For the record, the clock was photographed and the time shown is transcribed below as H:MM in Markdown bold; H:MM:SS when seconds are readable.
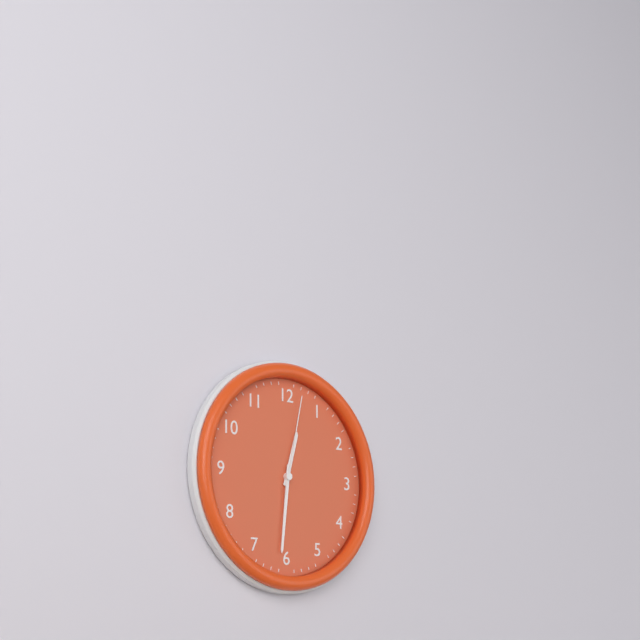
**12:31:02**
